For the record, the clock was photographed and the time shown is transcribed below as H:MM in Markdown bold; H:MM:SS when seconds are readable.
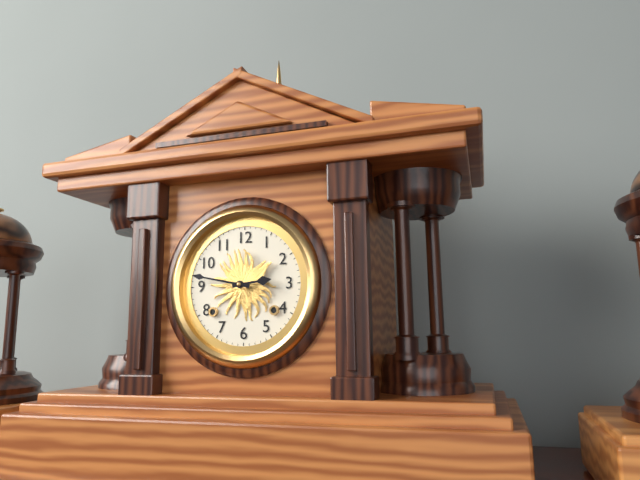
**2:47**
